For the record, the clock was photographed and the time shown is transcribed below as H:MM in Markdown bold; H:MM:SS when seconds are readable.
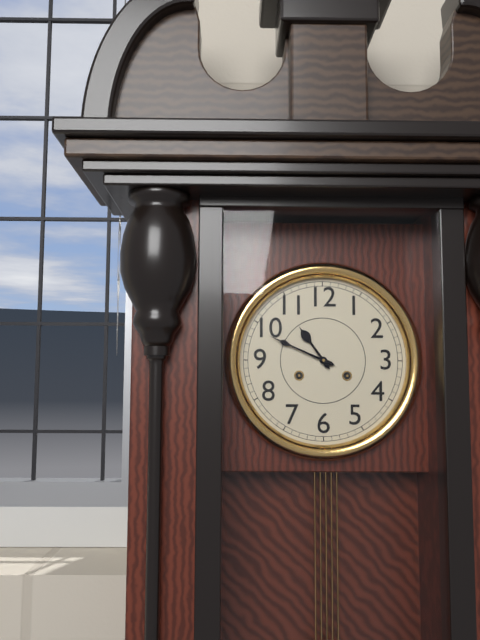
**10:49**
